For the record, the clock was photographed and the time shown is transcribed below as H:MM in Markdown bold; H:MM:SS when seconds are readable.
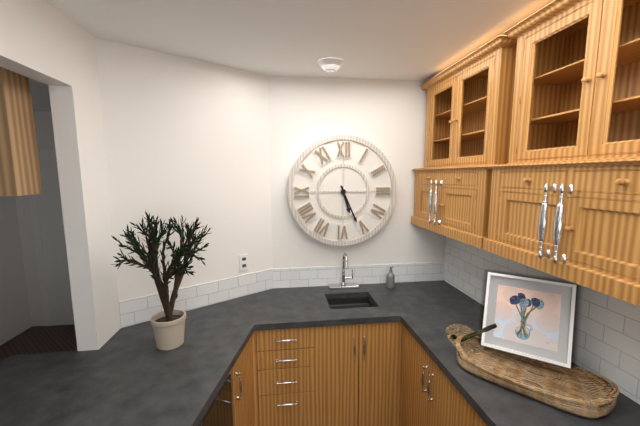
**5:26**
